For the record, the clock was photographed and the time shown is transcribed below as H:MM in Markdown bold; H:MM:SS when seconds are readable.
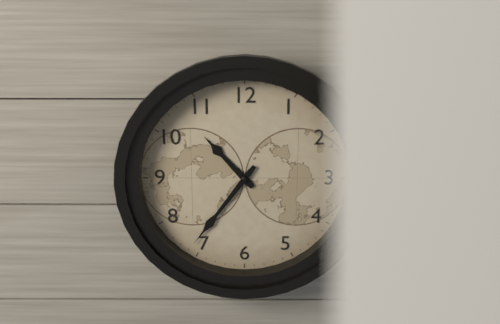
**10:36**
